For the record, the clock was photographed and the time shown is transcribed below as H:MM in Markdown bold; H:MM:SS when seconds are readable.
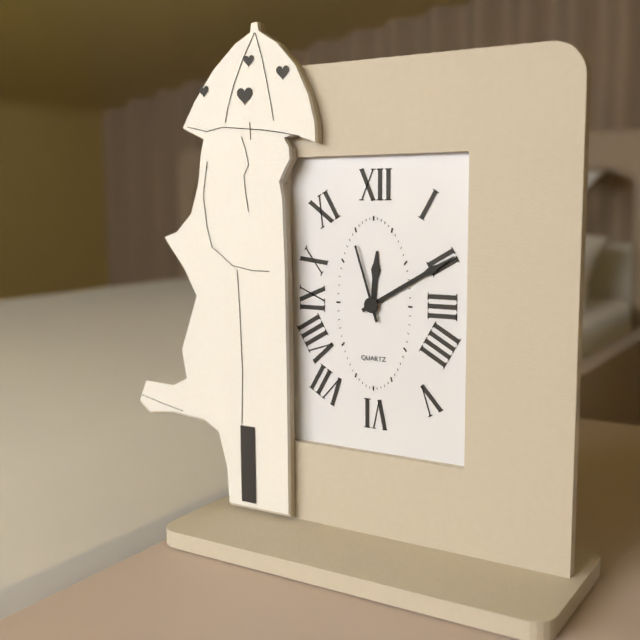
**12:10:57**
